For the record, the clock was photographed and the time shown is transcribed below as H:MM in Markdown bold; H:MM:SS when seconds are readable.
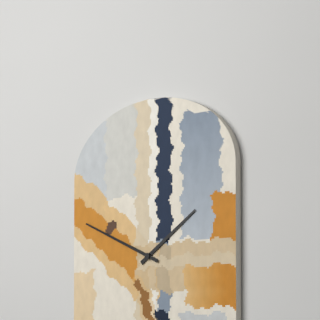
**1:49**
